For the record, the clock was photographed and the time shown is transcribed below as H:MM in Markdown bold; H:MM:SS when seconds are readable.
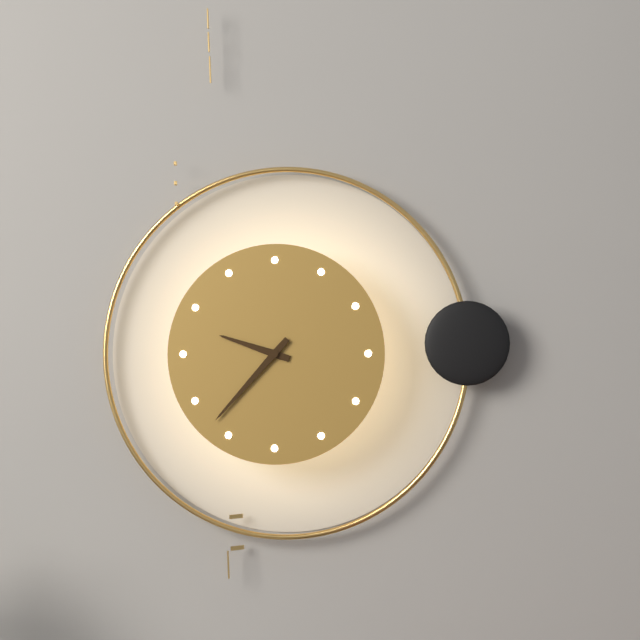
**9:37**
